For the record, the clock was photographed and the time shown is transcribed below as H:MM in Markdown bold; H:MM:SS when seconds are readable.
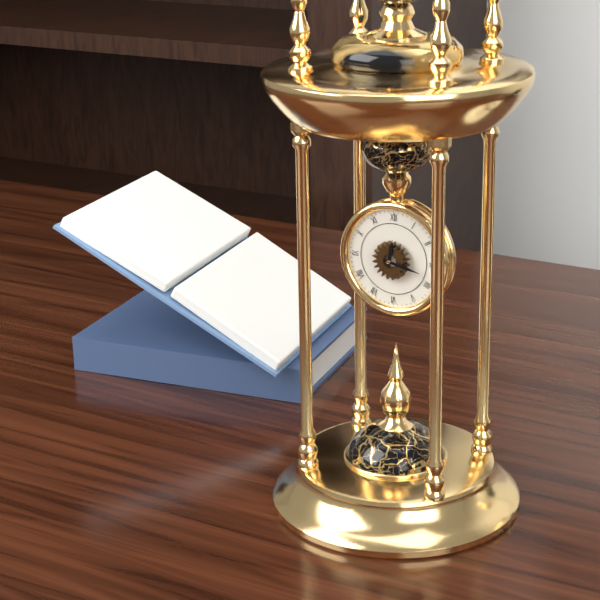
**12:17**
